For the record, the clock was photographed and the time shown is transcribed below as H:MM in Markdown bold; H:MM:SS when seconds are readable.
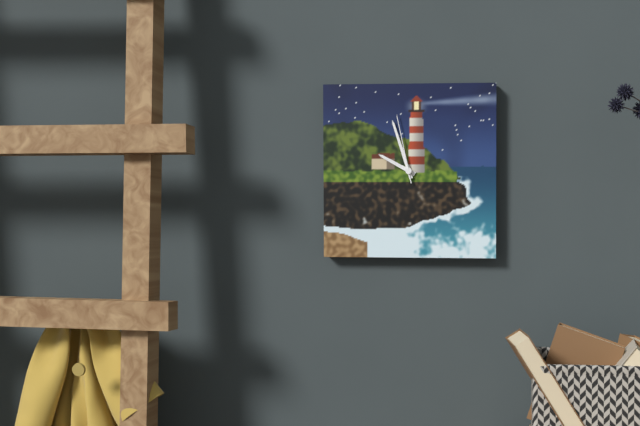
**9:57:58**
